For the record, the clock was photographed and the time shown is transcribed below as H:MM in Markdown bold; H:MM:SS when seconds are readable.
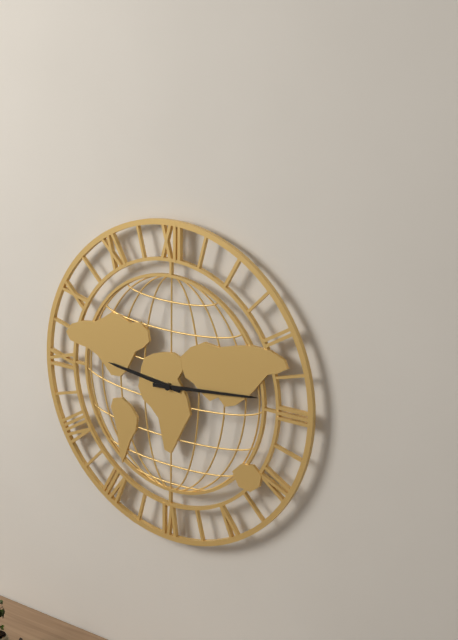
**9:14**
